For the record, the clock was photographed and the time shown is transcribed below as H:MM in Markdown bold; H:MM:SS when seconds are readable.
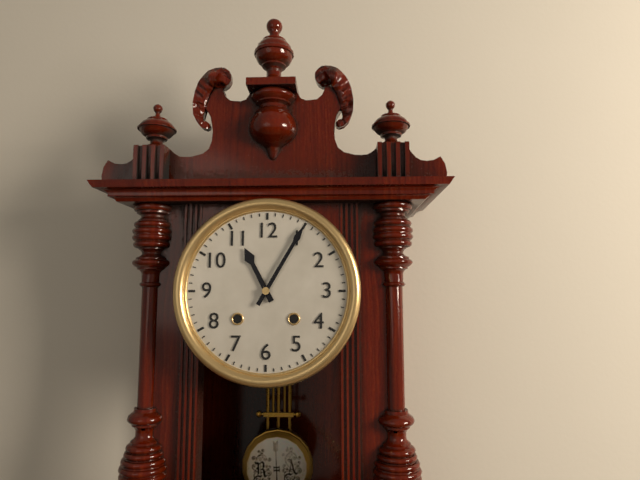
**11:05**
